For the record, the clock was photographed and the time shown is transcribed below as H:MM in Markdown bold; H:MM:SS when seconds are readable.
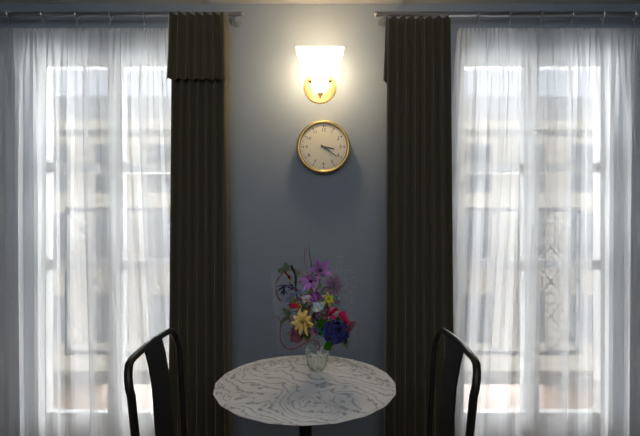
**3:21**
